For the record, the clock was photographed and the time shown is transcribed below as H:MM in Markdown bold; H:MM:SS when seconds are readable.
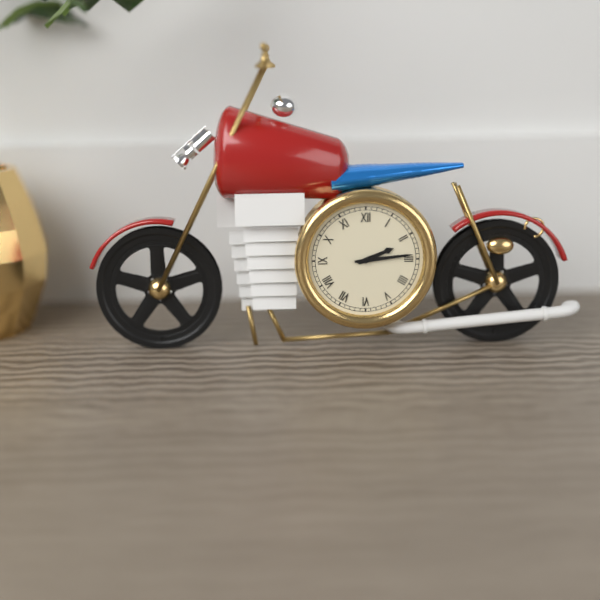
**2:14**
